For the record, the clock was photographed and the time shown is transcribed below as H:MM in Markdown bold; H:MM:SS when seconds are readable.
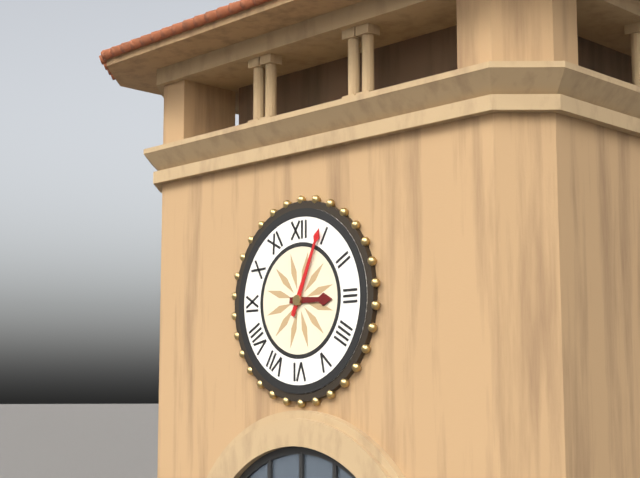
**3:04**
